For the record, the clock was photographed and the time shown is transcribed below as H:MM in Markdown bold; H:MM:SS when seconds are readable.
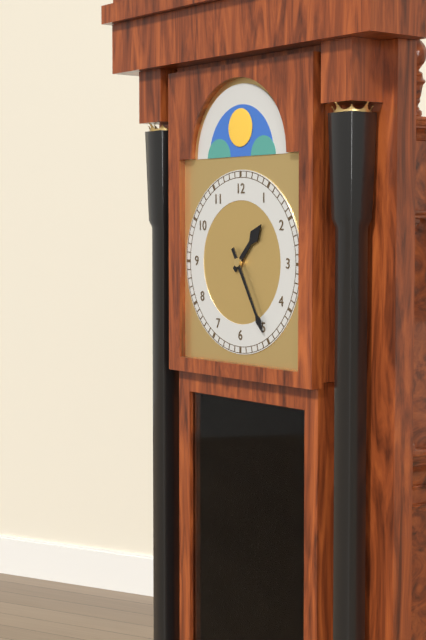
**1:25**
